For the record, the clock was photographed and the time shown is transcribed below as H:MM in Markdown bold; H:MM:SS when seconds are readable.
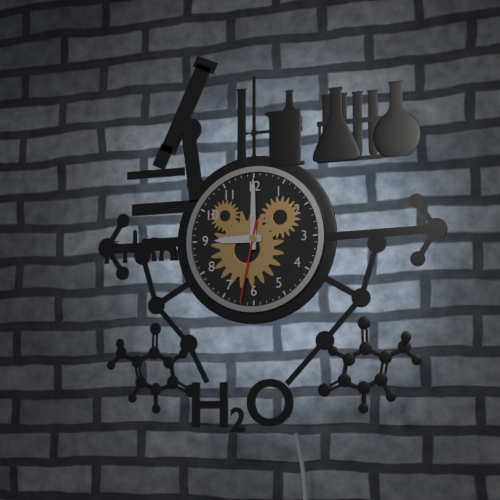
**9:00:32**
